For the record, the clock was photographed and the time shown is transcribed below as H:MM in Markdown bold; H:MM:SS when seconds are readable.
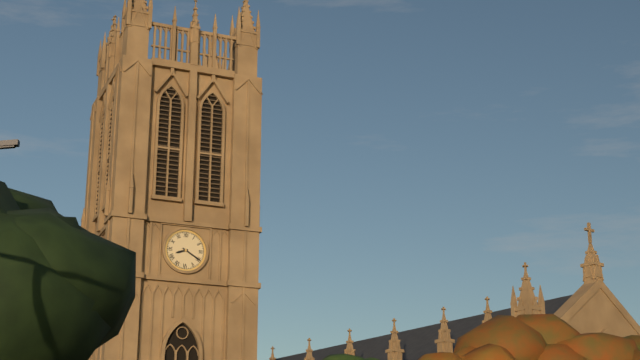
**8:20**
